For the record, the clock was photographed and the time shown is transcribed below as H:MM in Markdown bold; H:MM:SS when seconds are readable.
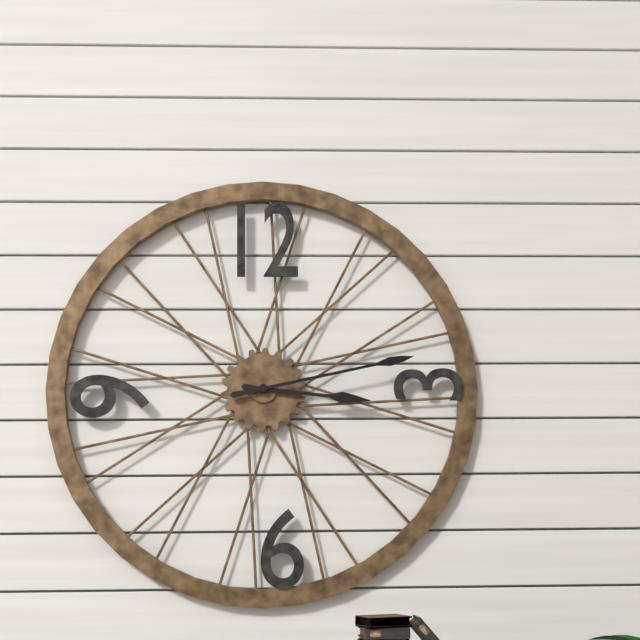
**3:13**
